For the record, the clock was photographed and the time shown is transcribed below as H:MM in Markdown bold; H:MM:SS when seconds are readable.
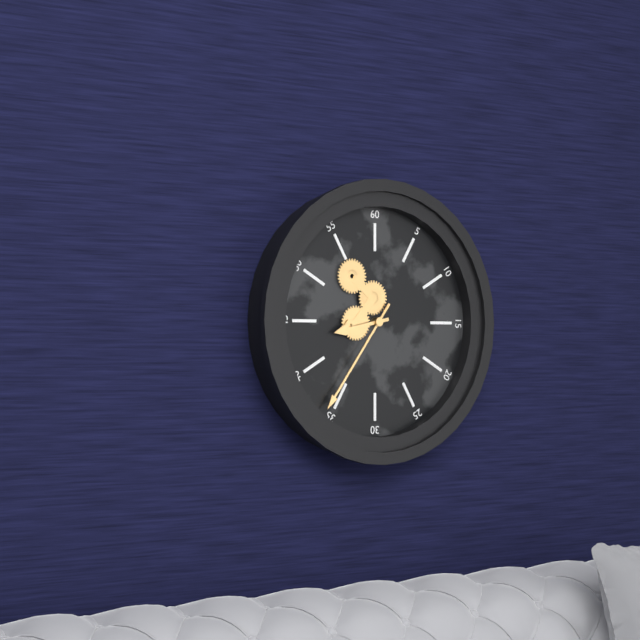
**8:36**
